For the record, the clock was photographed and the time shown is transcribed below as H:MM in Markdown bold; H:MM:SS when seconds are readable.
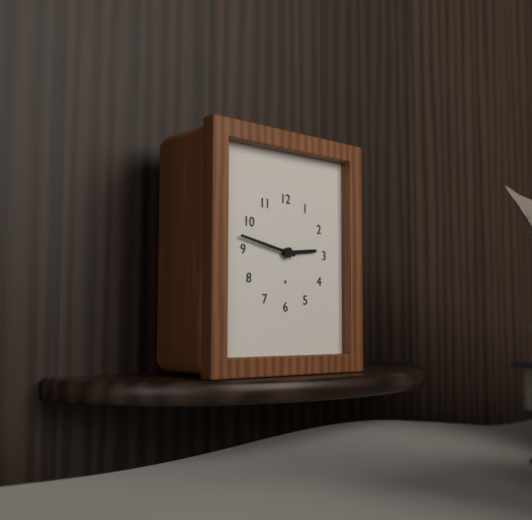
**2:47**
